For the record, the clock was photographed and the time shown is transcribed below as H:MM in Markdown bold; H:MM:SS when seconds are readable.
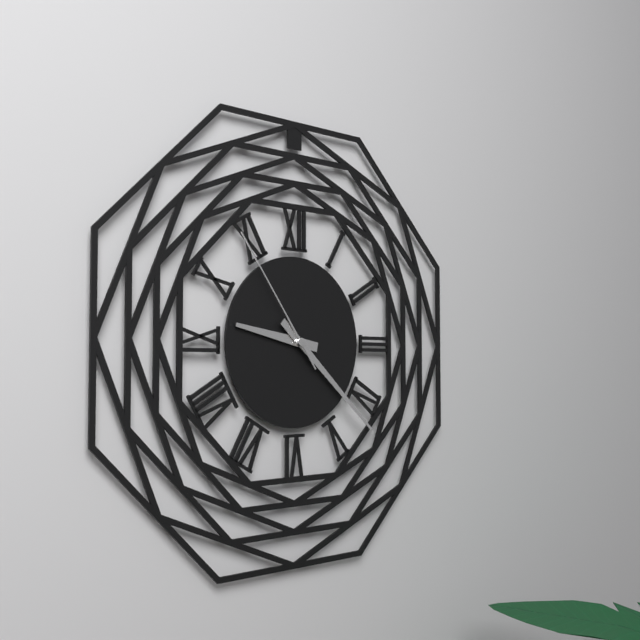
**9:22:54**
